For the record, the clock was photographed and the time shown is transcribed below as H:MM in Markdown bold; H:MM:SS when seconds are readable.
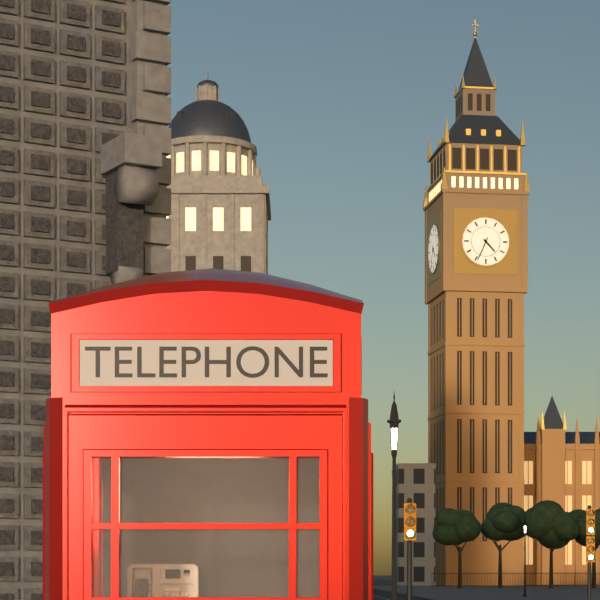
**4:34**
